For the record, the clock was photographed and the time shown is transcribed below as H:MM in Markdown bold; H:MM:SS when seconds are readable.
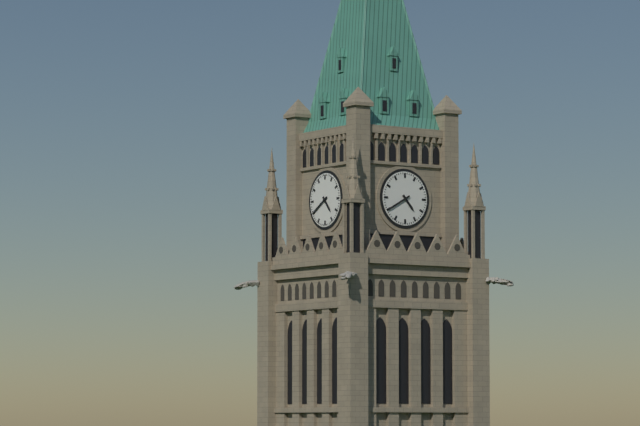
**4:40**
